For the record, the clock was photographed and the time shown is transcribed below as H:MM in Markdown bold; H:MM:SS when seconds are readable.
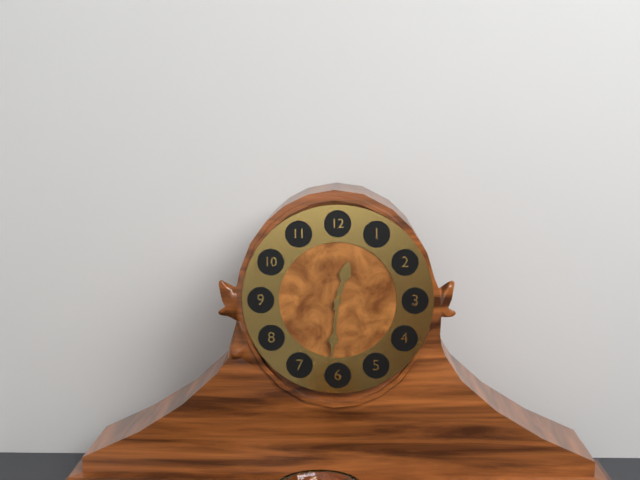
**12:31**
